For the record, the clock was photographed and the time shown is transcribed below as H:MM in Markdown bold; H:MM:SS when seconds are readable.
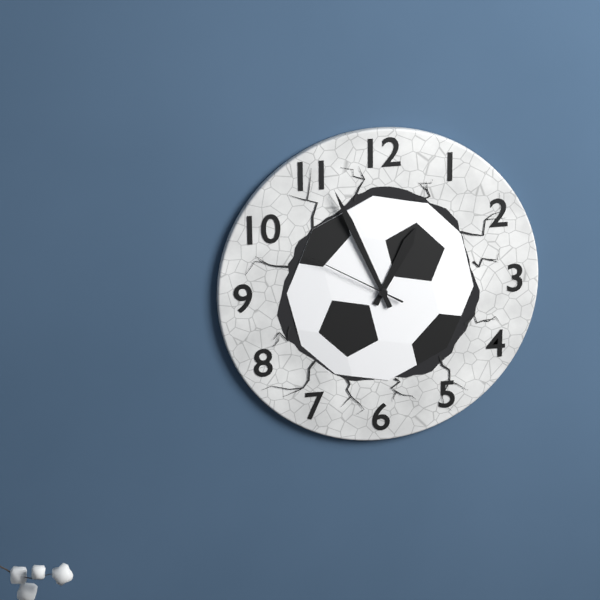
**12:56:50**
